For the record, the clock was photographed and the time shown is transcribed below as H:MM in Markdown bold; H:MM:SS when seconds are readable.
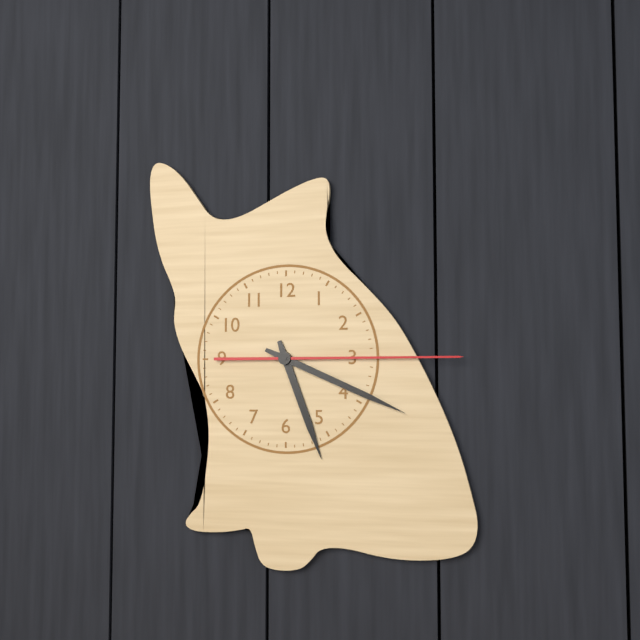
**5:19:15**
